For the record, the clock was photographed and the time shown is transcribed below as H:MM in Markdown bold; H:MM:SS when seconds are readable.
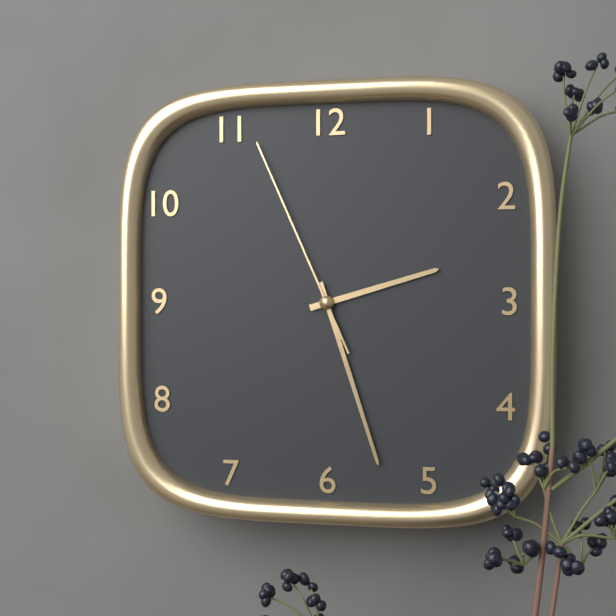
**2:27:56**
